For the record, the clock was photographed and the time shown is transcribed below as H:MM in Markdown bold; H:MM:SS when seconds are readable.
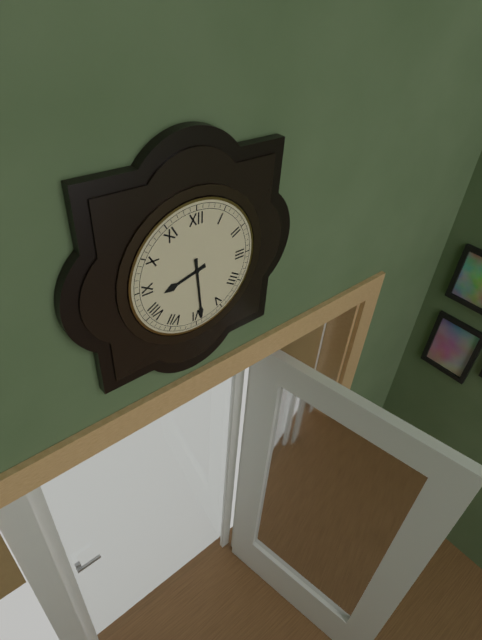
**8:29**
